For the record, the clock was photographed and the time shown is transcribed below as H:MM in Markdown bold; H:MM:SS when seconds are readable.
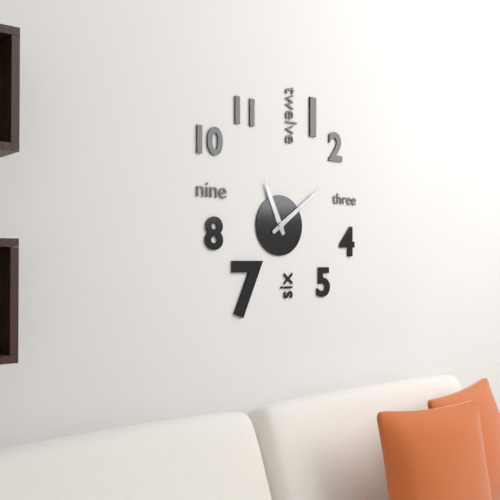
**11:09**
